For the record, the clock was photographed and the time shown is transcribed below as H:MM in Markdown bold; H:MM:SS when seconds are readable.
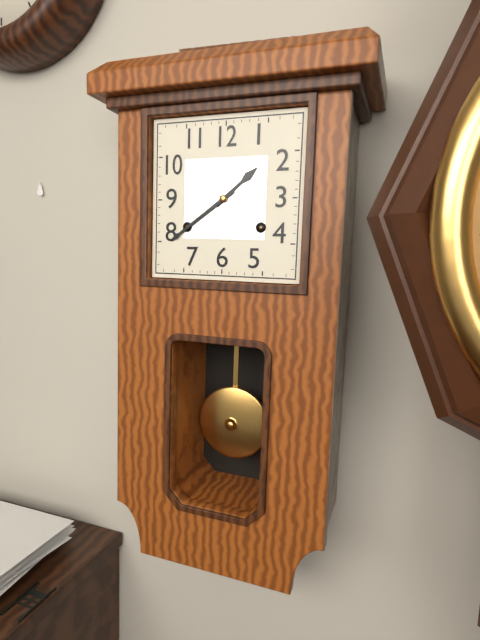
**1:39**
